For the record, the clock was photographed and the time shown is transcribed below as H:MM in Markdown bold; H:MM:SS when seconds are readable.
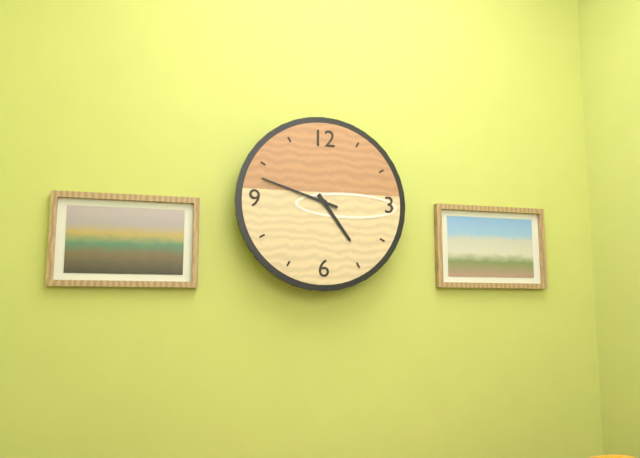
**4:48**
